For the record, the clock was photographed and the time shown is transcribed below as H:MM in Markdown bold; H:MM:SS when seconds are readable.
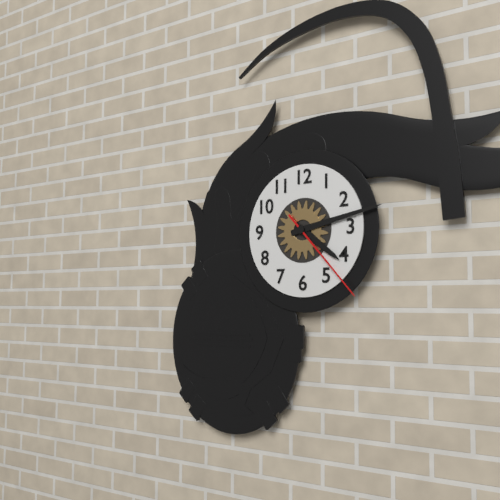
**4:13:23**
